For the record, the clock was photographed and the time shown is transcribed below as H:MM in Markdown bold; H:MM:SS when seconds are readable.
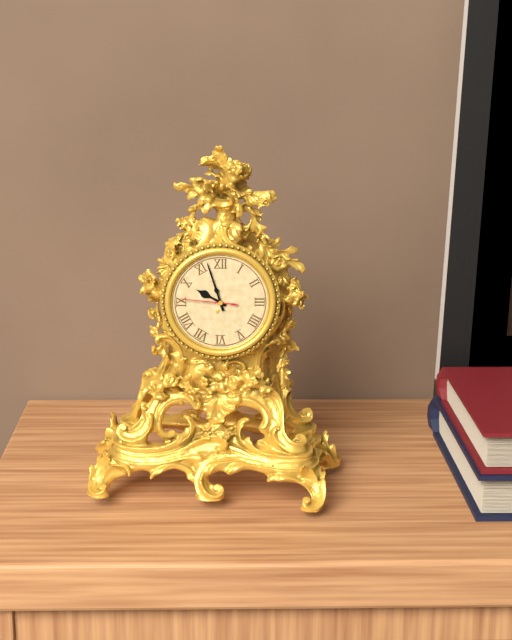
**9:57:46**
